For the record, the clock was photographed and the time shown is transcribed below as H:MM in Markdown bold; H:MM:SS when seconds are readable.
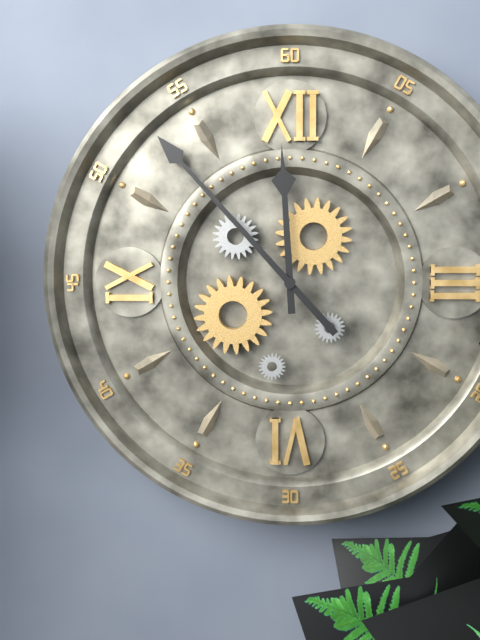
**11:53**
